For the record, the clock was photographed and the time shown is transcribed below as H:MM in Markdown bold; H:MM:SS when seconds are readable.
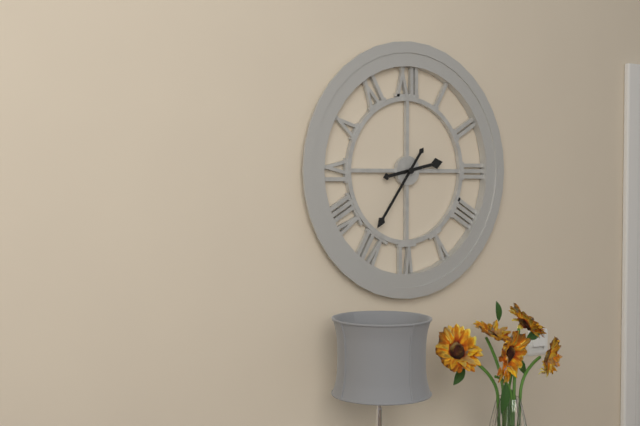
**2:36**
